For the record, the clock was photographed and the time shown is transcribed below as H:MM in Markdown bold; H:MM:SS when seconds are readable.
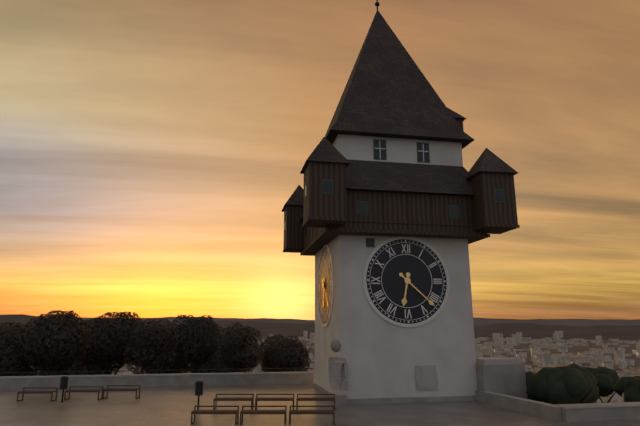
**6:22**
